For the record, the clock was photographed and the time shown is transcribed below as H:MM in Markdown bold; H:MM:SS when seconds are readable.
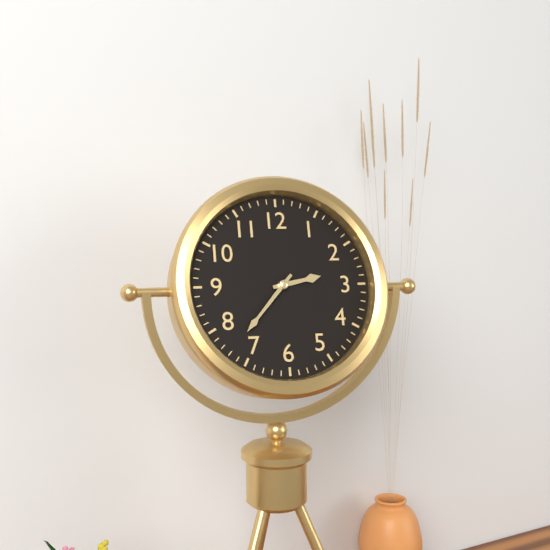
**2:37**
